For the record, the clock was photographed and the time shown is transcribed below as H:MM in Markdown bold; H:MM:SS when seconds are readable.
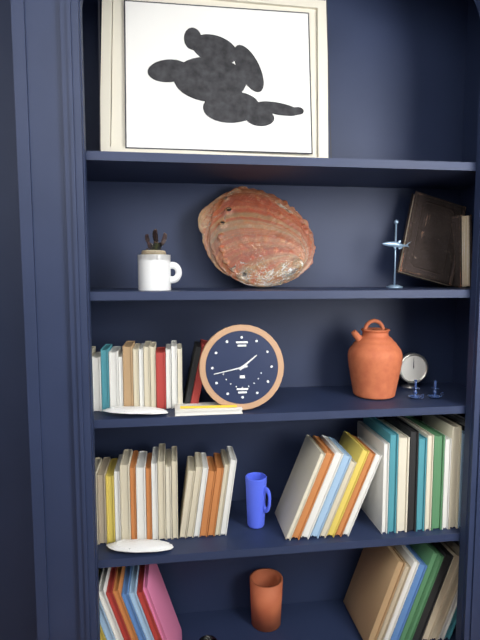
**1:43**
